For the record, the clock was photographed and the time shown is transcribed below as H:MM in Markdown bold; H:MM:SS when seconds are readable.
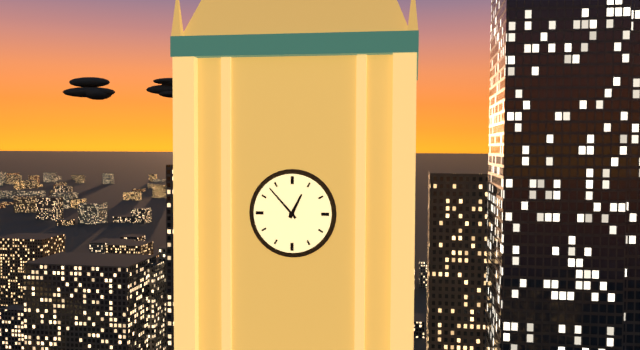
**12:53**
